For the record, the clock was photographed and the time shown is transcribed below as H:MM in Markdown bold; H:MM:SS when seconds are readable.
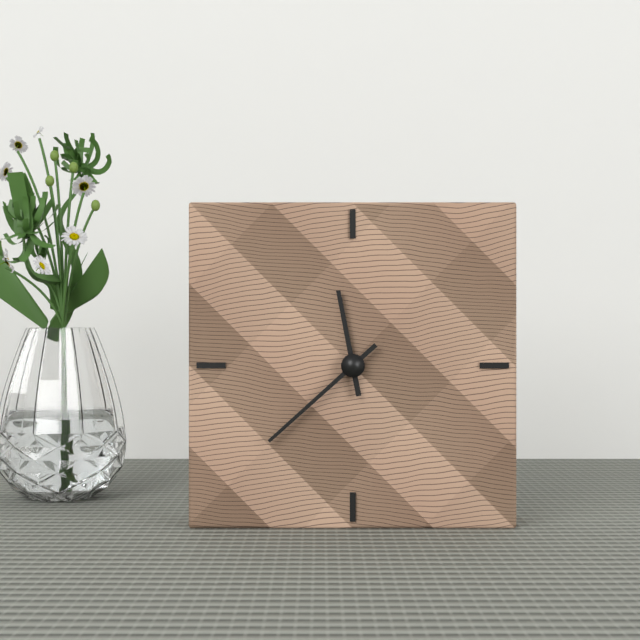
**11:38**
